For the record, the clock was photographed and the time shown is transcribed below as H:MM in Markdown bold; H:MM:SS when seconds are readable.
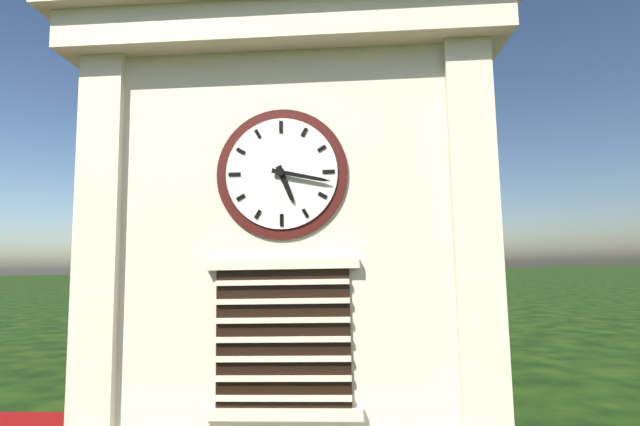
**5:17**
